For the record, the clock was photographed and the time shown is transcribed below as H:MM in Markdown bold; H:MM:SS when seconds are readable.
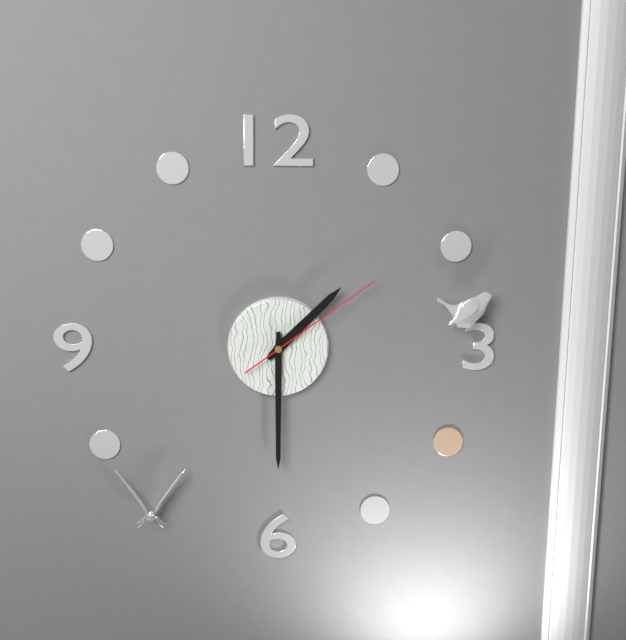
**1:30:09**
